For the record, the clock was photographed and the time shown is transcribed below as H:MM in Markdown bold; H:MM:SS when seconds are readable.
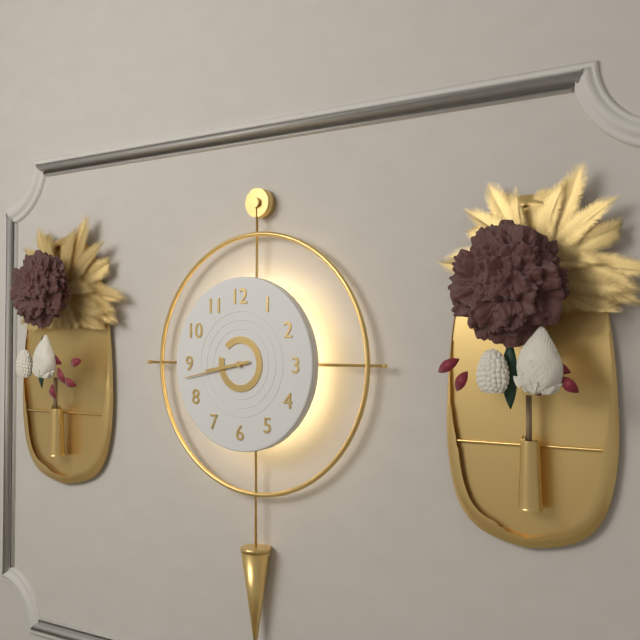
**8:43**
